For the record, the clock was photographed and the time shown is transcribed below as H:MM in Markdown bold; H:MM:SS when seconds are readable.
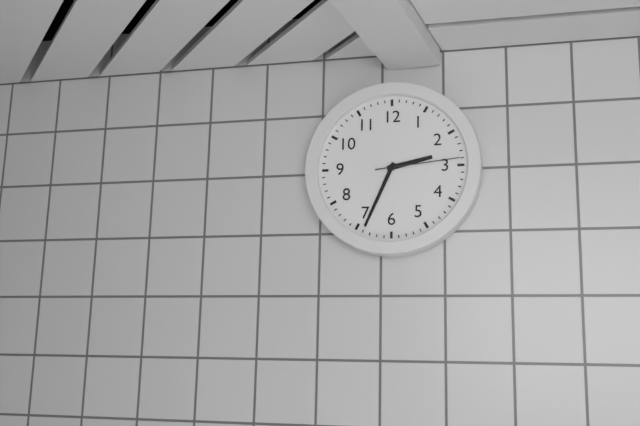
**2:34:14**
